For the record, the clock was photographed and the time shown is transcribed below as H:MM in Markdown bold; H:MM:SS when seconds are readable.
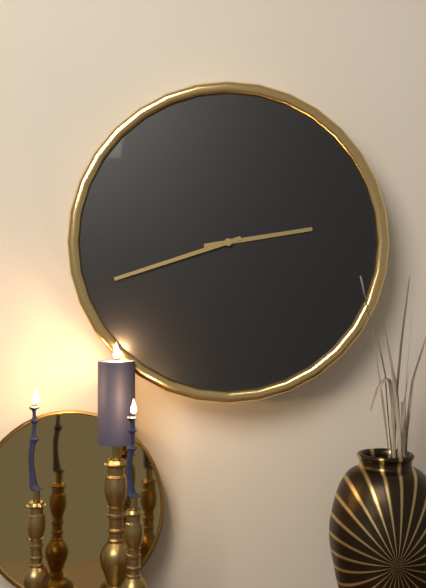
**2:42**
